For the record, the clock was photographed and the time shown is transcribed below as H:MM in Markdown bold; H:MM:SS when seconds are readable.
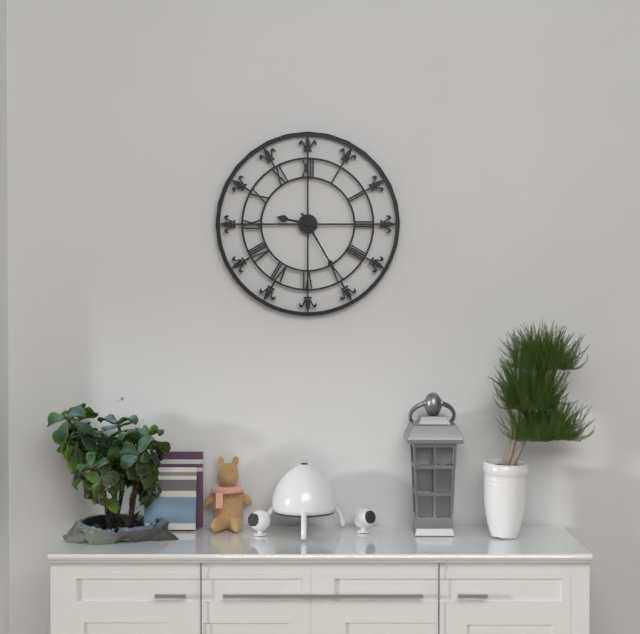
**9:25**
